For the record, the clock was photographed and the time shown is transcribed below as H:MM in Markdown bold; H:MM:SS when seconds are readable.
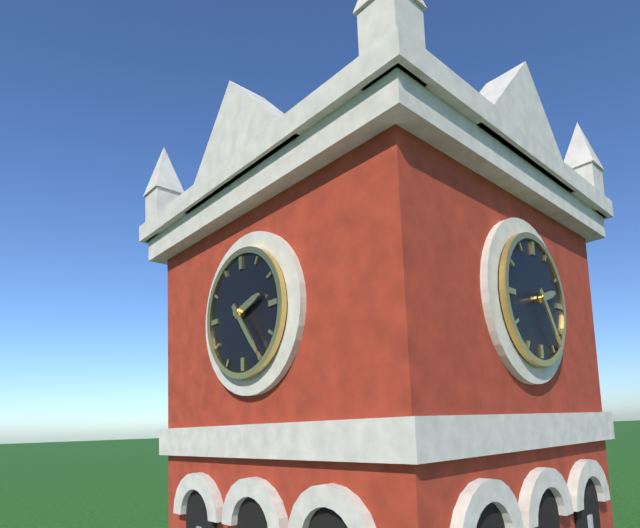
**2:24**
